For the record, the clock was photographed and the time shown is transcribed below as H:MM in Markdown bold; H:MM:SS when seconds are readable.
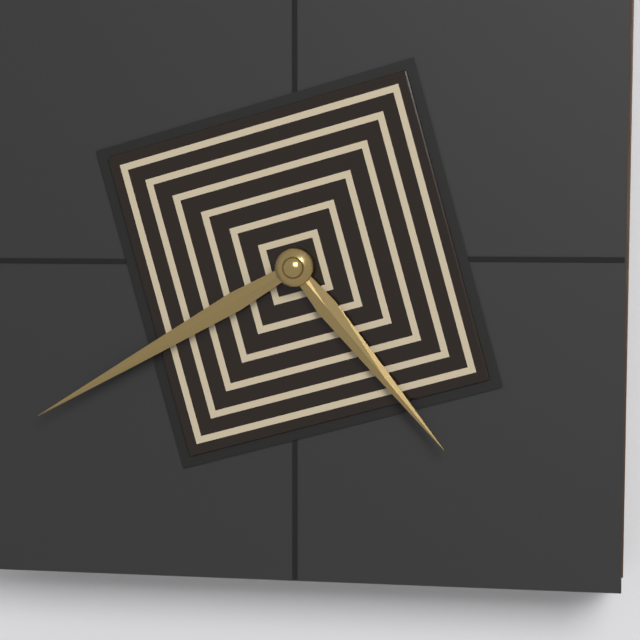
**4:40**
